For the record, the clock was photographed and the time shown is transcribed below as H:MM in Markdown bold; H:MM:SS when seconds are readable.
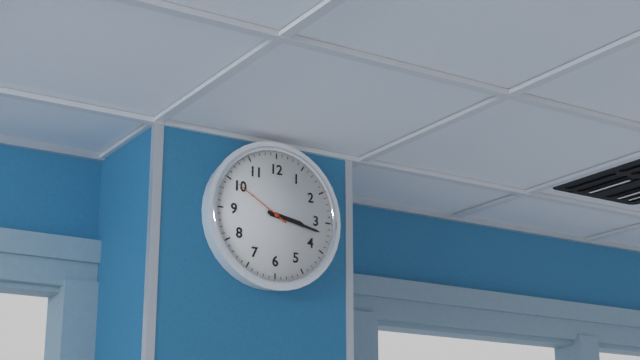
**3:17:50**
